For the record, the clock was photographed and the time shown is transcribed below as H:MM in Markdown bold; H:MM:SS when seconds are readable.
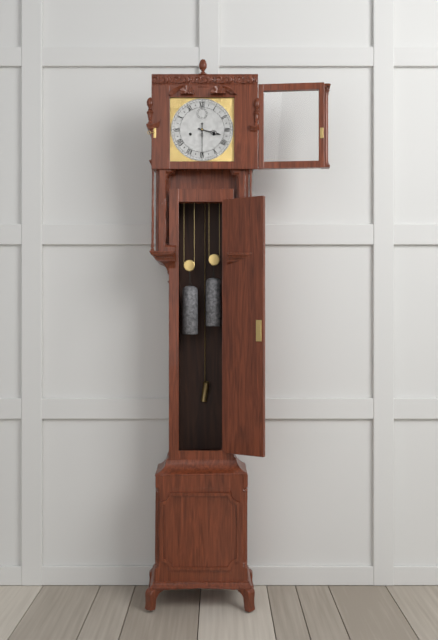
**3:30**
